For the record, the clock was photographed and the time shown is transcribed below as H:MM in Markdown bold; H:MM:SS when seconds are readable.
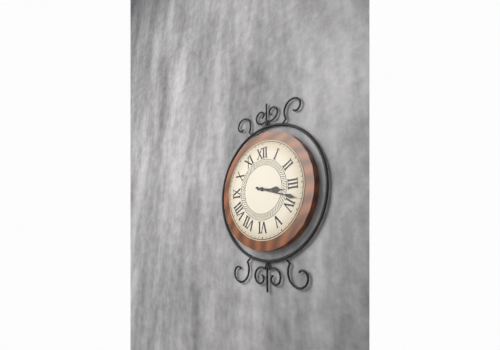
**3:18**
